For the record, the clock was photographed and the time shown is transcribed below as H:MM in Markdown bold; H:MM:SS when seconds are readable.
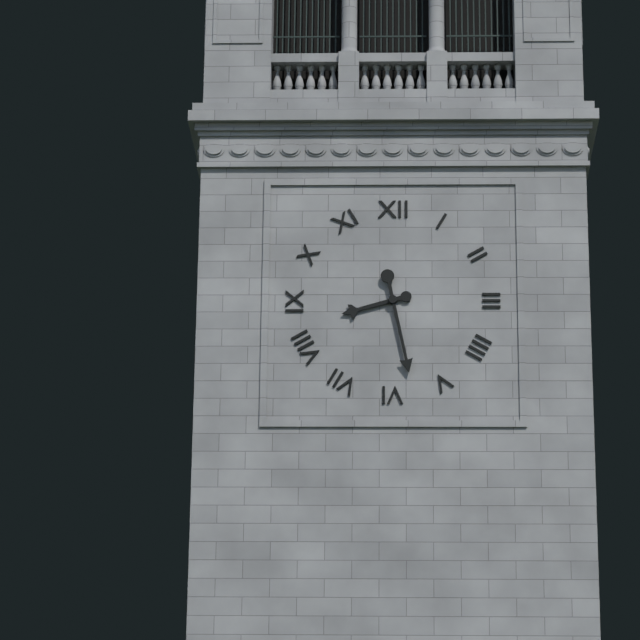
**8:28**
